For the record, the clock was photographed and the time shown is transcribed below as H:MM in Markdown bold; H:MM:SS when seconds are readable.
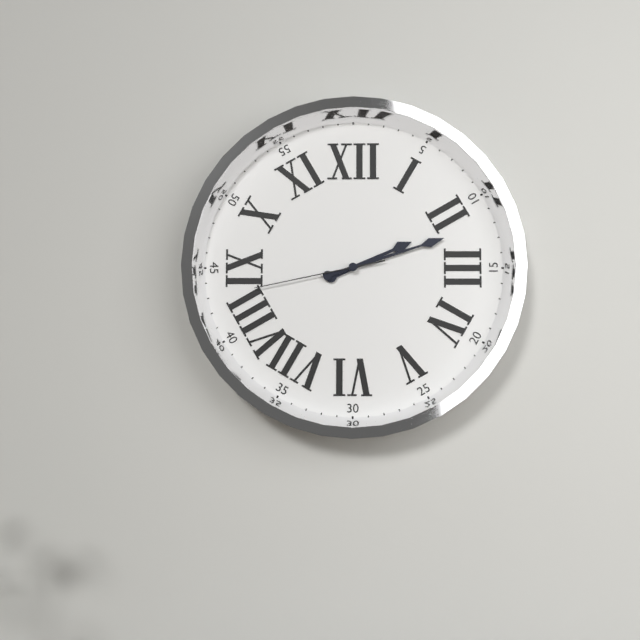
**2:12:43**
